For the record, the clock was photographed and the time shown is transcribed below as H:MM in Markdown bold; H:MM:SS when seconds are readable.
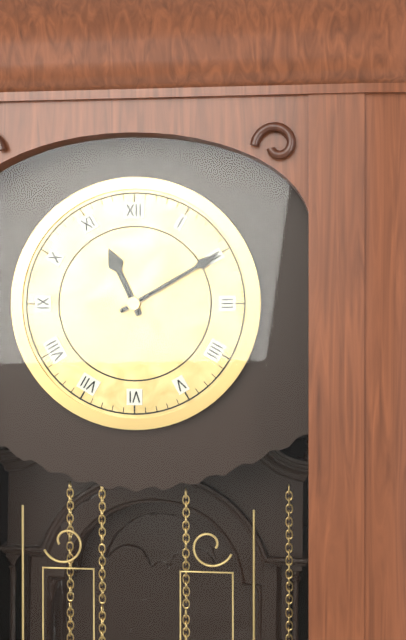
**11:10**
